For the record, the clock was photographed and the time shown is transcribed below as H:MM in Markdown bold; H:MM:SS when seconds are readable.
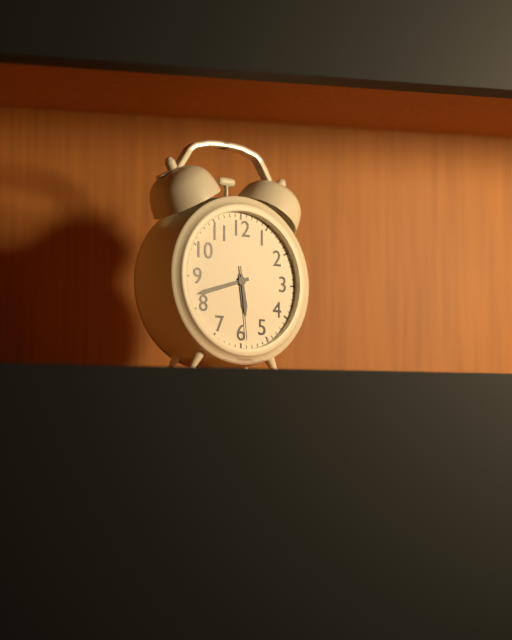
**5:42:29**
